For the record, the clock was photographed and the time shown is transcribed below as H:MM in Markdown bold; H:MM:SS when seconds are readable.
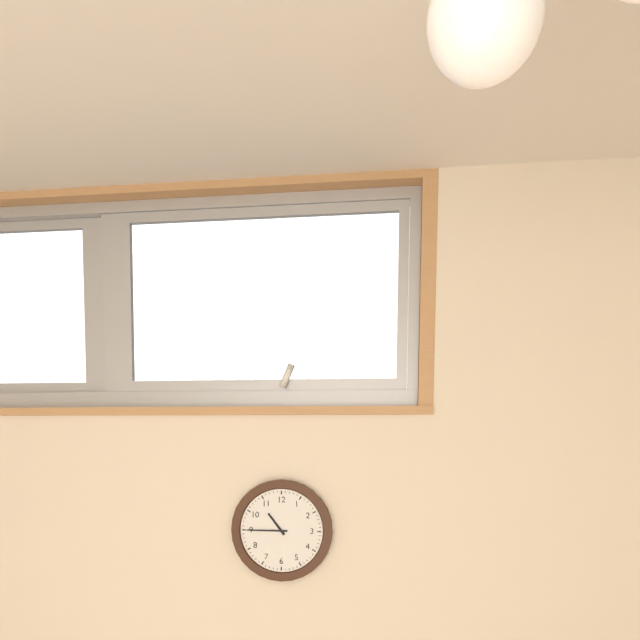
**10:45**
